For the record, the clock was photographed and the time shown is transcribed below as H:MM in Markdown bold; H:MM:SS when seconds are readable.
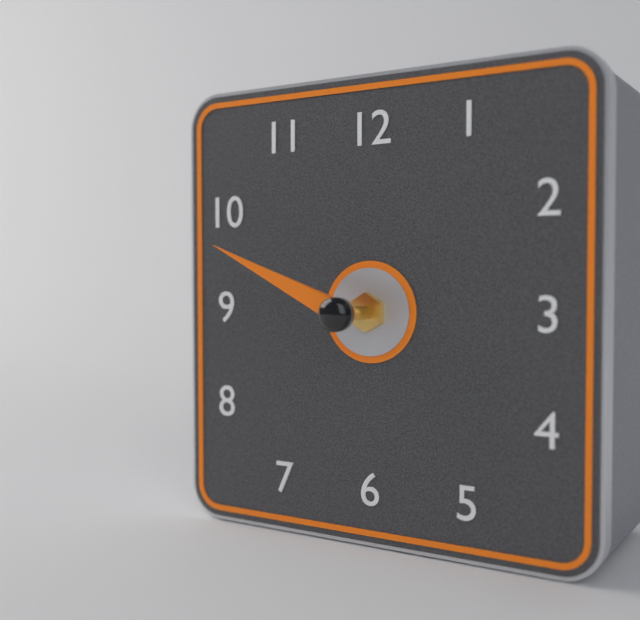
**9:49**
